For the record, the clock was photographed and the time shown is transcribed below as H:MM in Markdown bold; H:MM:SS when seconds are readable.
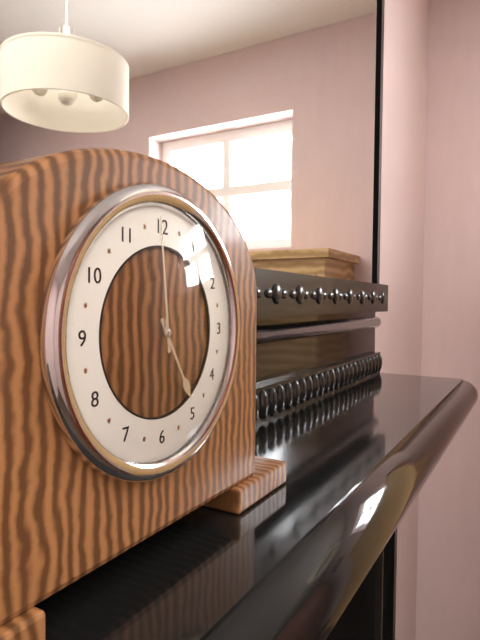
**4:59**
